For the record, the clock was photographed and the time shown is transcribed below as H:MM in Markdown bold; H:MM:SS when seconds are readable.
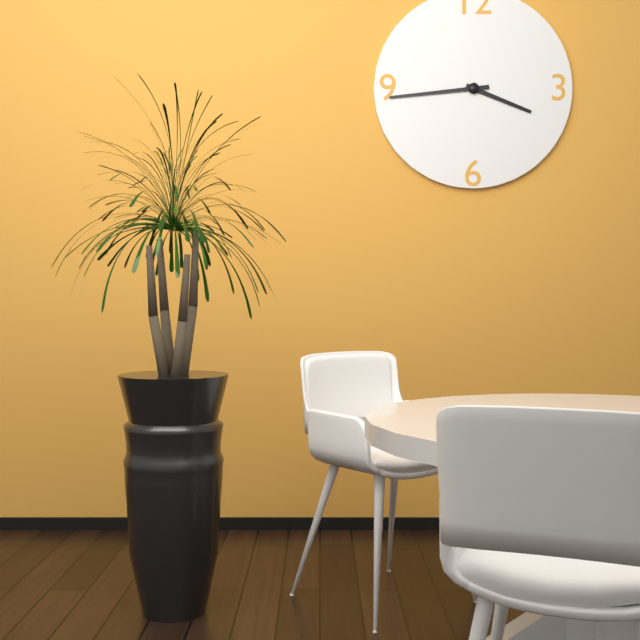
**3:44**
